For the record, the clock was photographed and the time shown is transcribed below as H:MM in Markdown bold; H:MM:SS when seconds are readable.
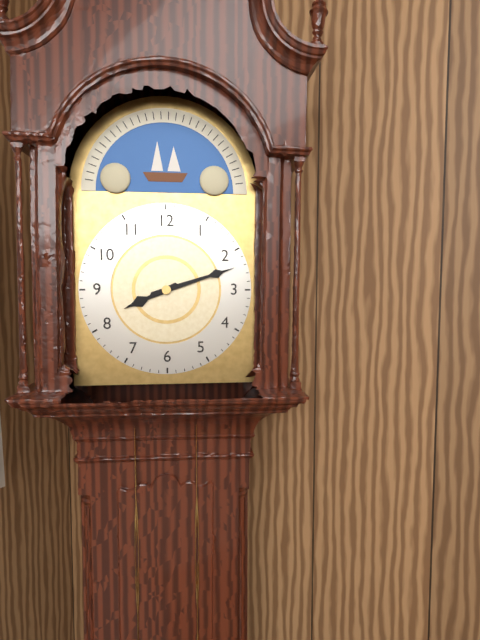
**8:12**
